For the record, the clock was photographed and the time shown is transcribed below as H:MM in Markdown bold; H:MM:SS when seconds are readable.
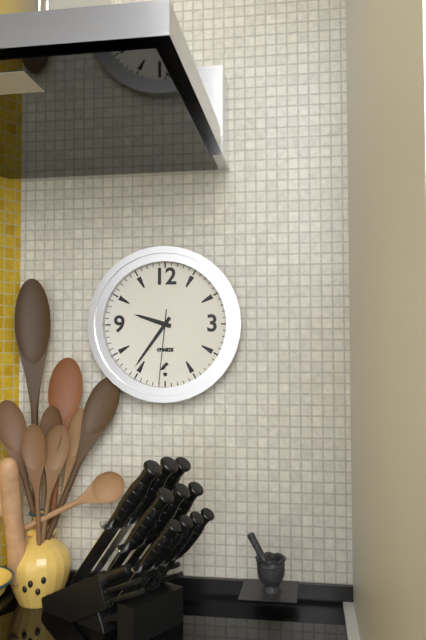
**9:36:31**
